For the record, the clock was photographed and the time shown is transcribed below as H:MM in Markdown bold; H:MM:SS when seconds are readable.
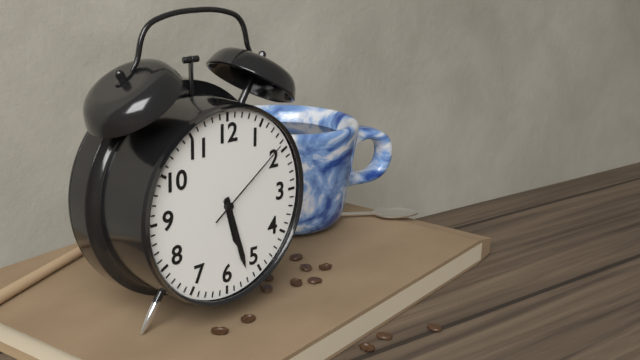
**5:27:09**
